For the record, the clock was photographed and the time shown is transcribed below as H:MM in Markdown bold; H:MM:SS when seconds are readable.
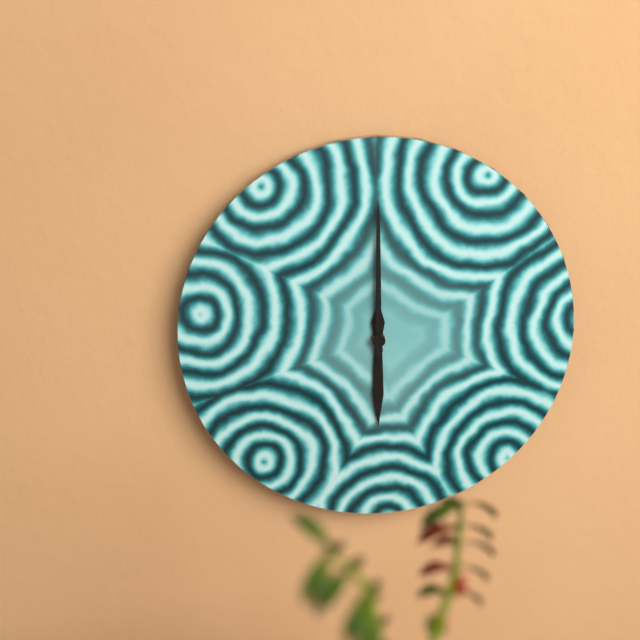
**6:00**
